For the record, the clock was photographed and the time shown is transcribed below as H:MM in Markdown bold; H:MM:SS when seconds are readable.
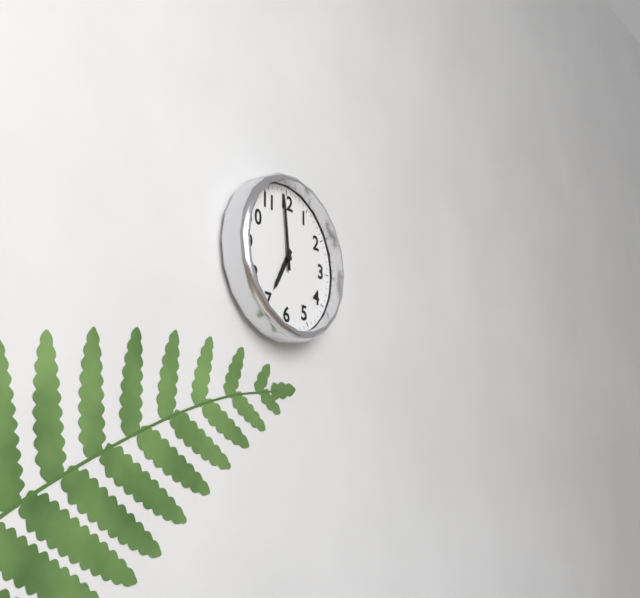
**6:59**
